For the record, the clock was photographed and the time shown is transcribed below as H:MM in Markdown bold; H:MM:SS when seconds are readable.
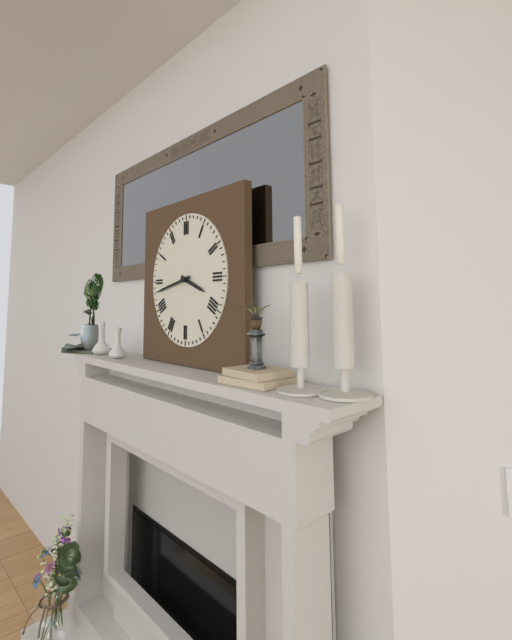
**3:43**
